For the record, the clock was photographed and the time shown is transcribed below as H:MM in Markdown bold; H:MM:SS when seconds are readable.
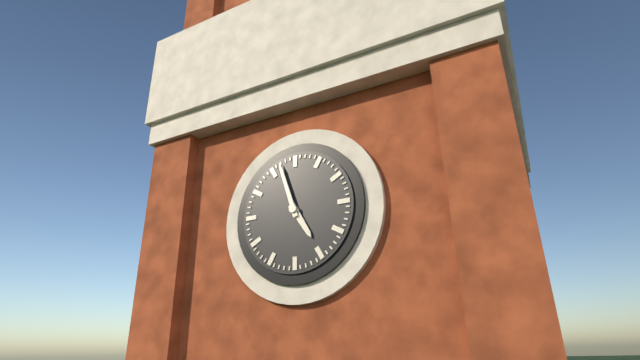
**4:57**
